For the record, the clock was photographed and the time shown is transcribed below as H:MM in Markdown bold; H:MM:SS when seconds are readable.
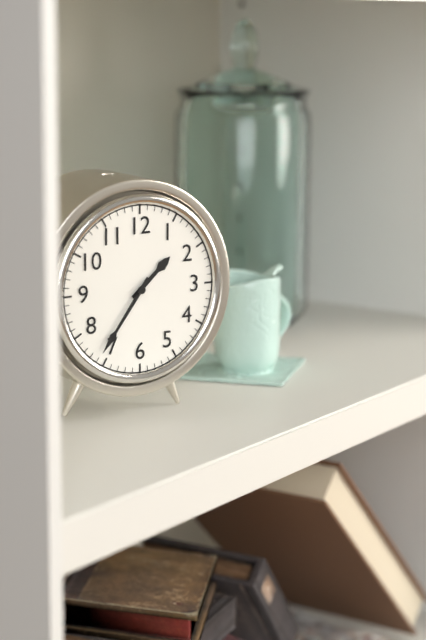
**1:36**
